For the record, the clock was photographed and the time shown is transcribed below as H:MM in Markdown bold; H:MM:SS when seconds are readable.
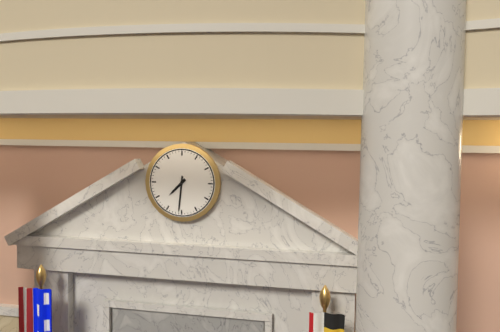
**7:31**
